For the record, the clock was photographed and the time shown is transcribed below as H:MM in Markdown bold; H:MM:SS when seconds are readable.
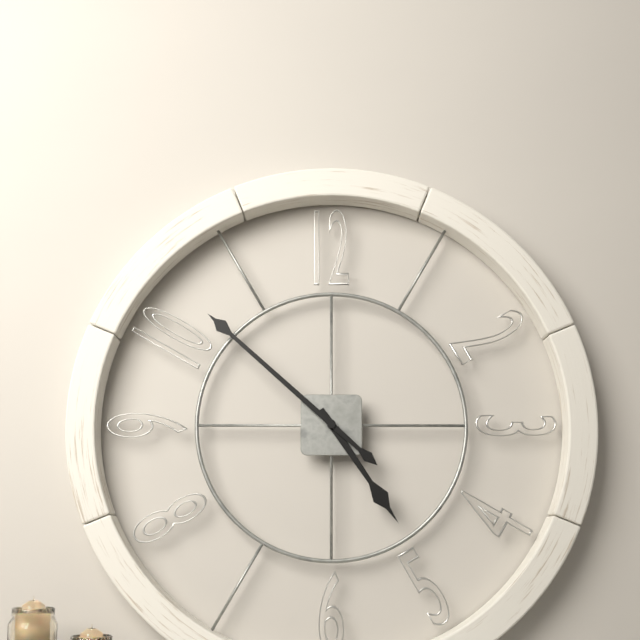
**4:52**
